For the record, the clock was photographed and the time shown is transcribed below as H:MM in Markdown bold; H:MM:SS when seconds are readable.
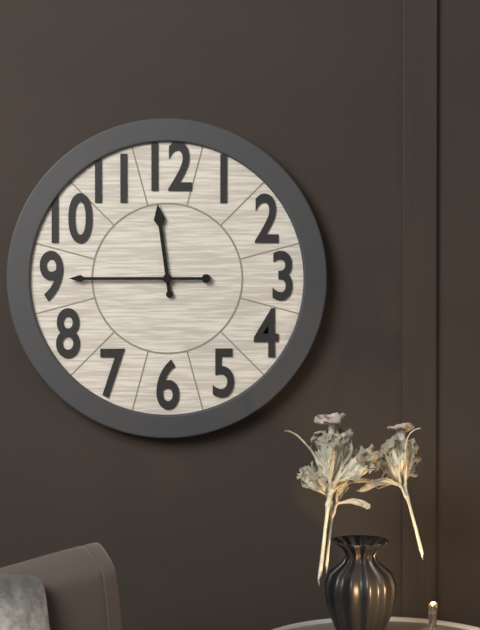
**11:45**
